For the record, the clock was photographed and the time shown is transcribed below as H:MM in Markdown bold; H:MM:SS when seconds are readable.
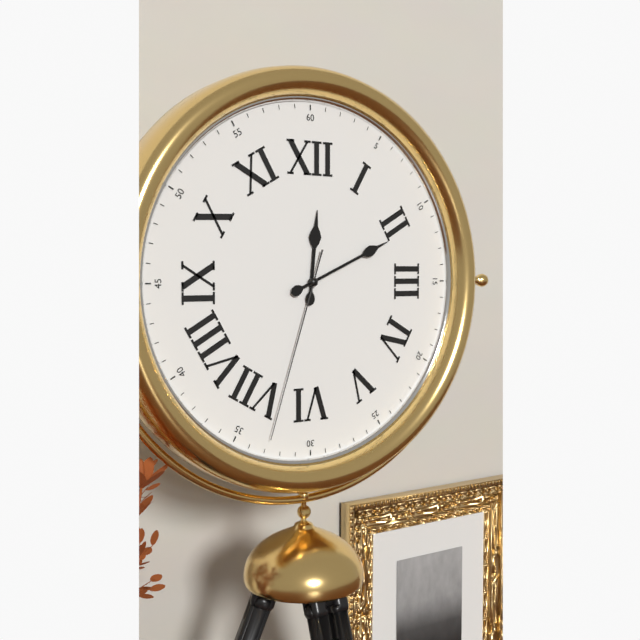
**12:11:33**
